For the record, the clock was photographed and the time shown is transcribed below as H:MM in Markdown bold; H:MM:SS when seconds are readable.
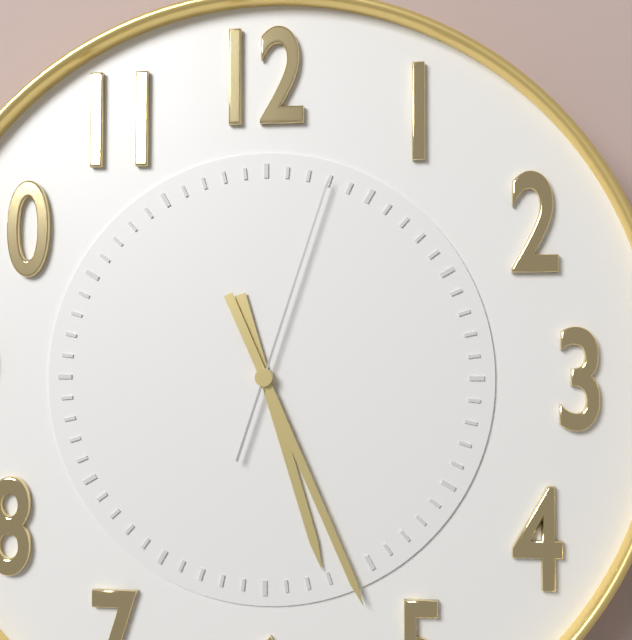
**5:26:03**
